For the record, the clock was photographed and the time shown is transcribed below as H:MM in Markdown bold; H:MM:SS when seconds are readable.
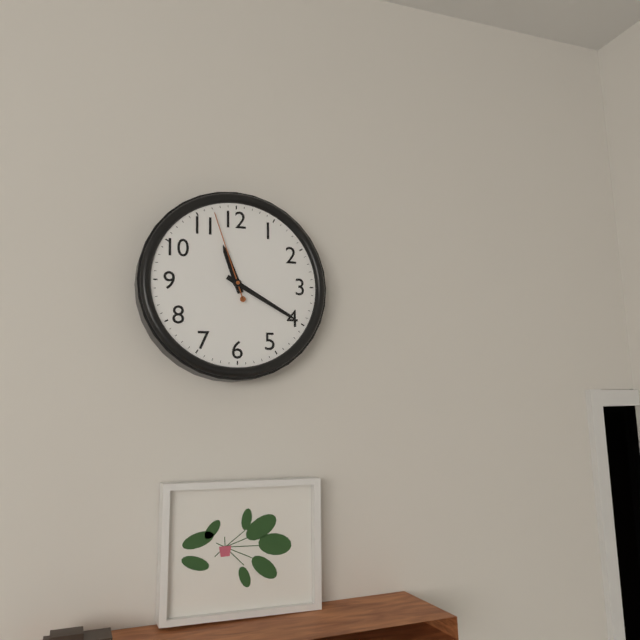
**11:20:57**
